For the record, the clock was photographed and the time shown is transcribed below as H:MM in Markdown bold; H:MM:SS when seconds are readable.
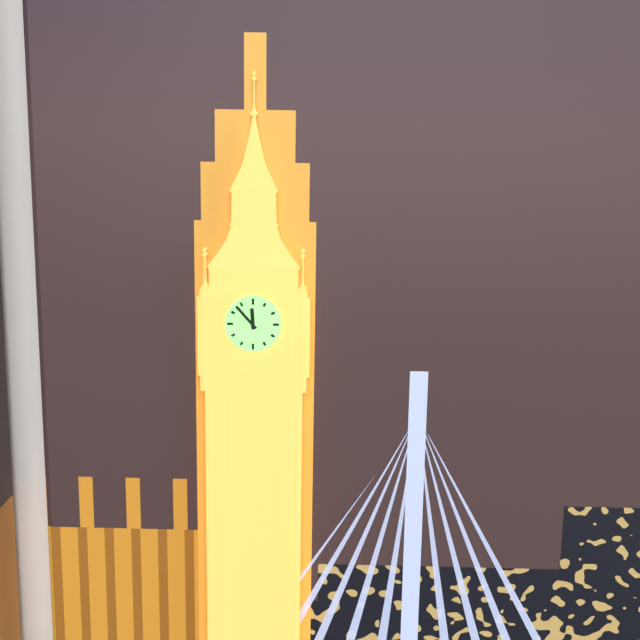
**11:53**
